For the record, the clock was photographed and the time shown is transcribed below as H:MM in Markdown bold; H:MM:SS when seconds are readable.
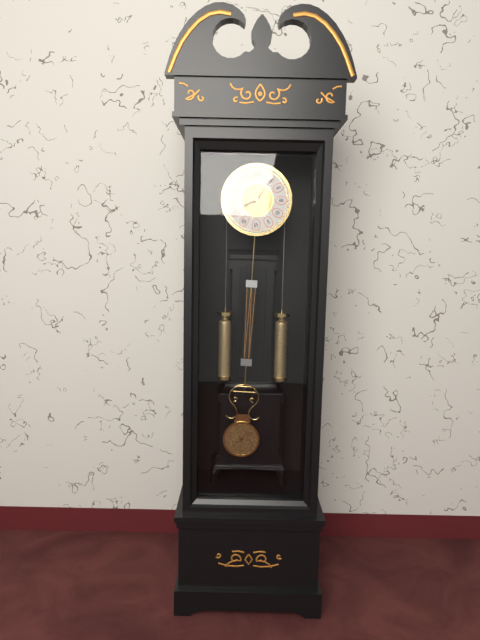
**8:06**
